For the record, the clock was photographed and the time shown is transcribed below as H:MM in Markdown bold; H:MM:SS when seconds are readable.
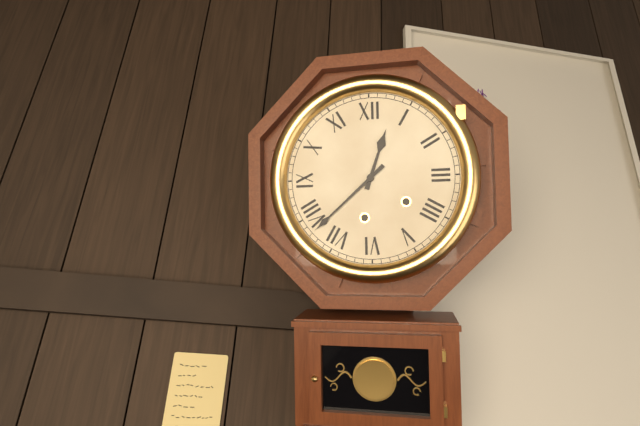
**12:38**
